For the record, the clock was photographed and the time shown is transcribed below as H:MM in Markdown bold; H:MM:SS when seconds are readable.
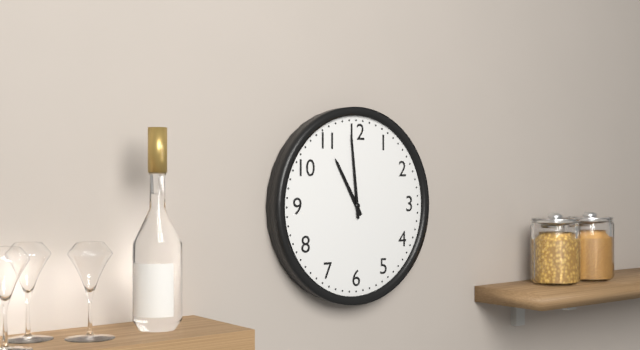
**10:59**
